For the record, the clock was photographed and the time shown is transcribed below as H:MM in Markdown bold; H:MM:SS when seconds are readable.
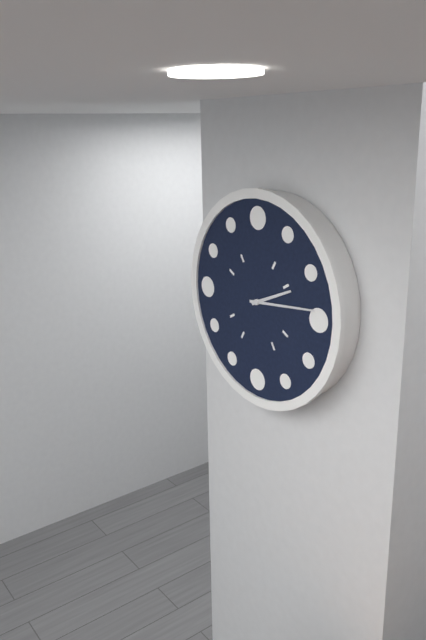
**2:14**
